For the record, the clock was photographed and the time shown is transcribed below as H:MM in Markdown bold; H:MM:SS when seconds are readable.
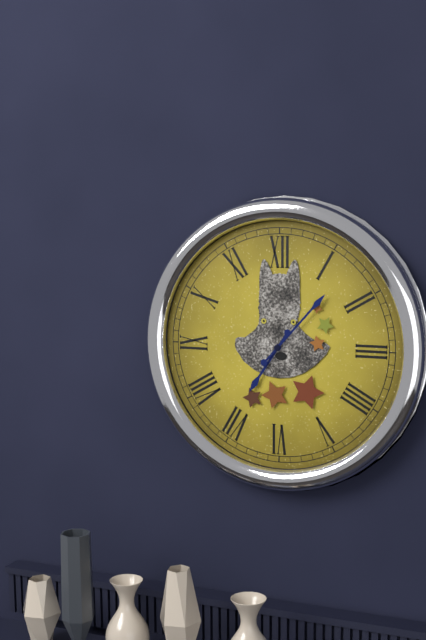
**7:07**
